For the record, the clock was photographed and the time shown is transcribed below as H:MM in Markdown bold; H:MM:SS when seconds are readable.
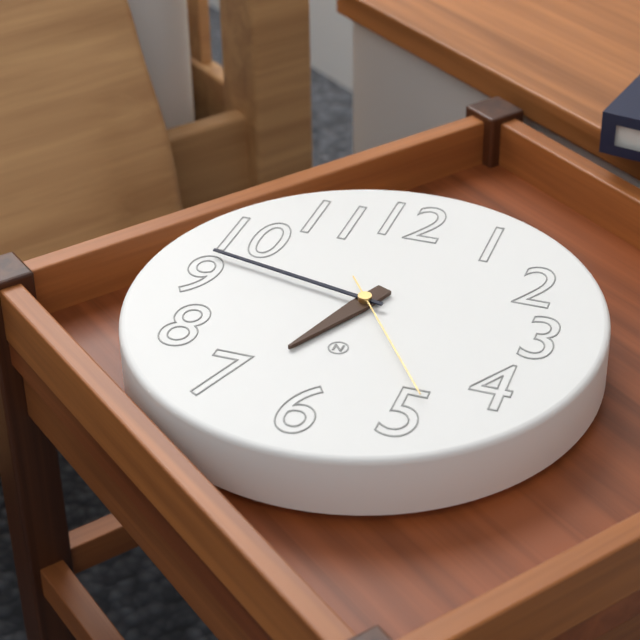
**6:47:24**
